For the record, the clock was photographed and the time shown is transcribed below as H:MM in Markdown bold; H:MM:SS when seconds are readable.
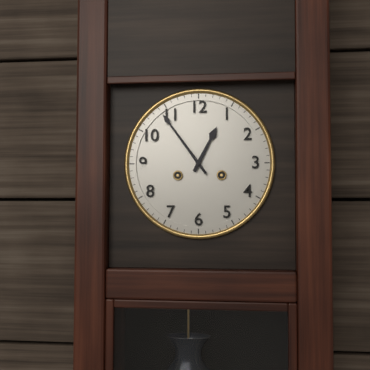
**12:54**
